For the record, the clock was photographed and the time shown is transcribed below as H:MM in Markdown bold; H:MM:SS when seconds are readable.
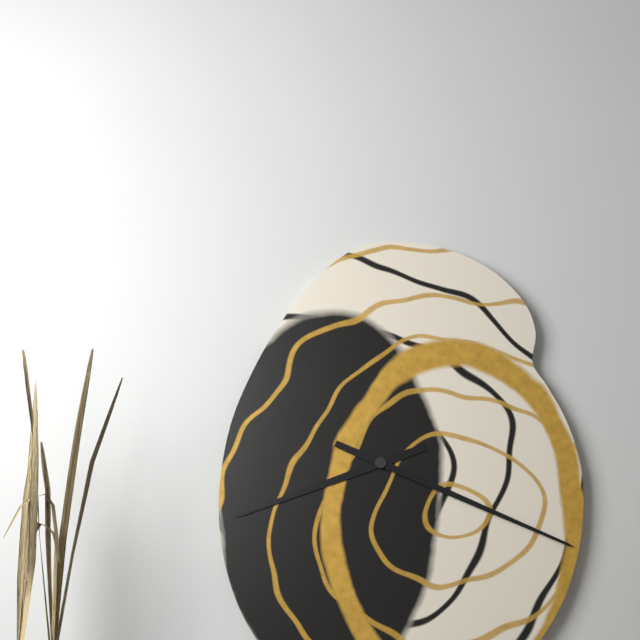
**8:19**
